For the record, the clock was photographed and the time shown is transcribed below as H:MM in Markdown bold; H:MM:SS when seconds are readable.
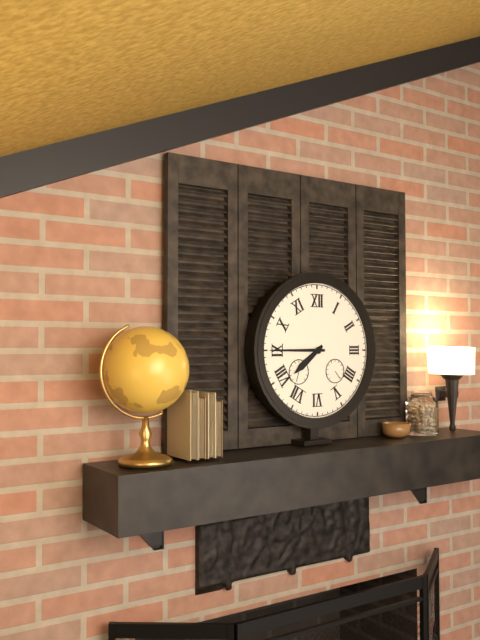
**7:45**
